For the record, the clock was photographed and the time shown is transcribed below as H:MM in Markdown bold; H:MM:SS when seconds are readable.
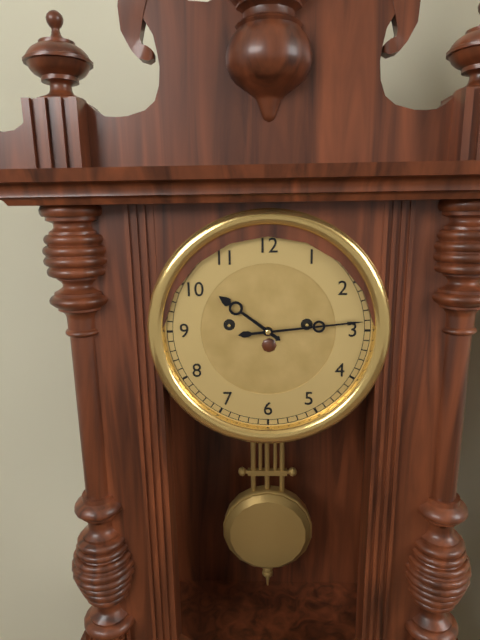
**10:14**
